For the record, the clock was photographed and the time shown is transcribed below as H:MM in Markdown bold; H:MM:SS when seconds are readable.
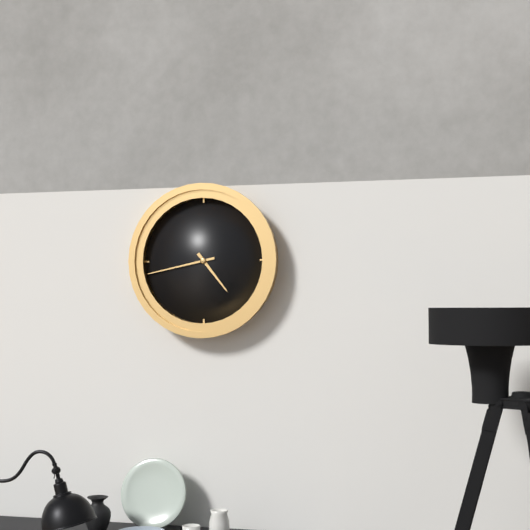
**4:43**
